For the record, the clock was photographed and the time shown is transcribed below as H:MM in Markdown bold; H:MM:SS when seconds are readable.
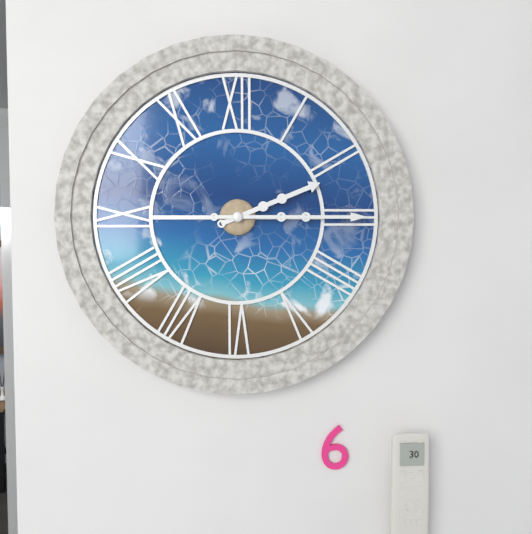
**2:15**
